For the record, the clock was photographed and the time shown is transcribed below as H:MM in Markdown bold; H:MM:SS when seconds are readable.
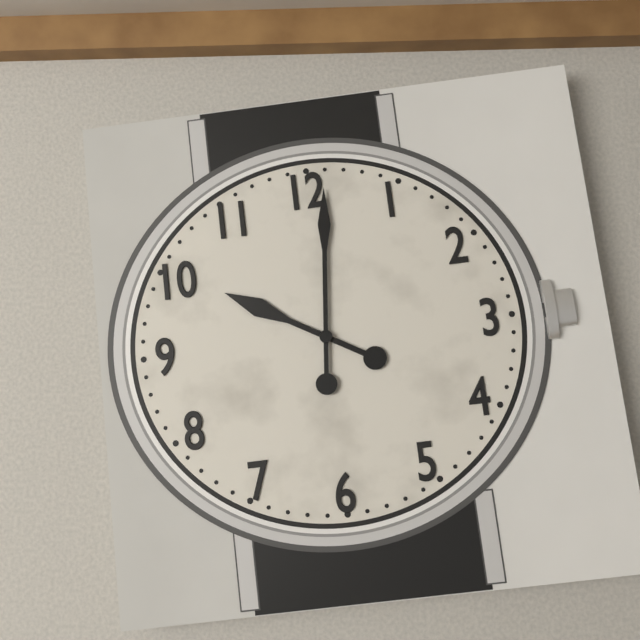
**10:01**
